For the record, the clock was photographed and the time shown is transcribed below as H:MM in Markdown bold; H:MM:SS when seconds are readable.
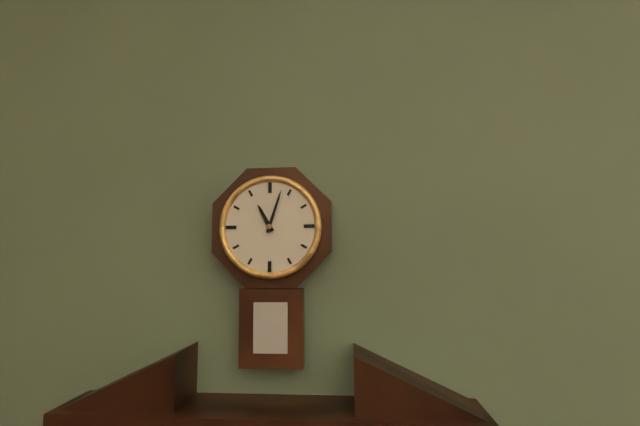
**11:03**
